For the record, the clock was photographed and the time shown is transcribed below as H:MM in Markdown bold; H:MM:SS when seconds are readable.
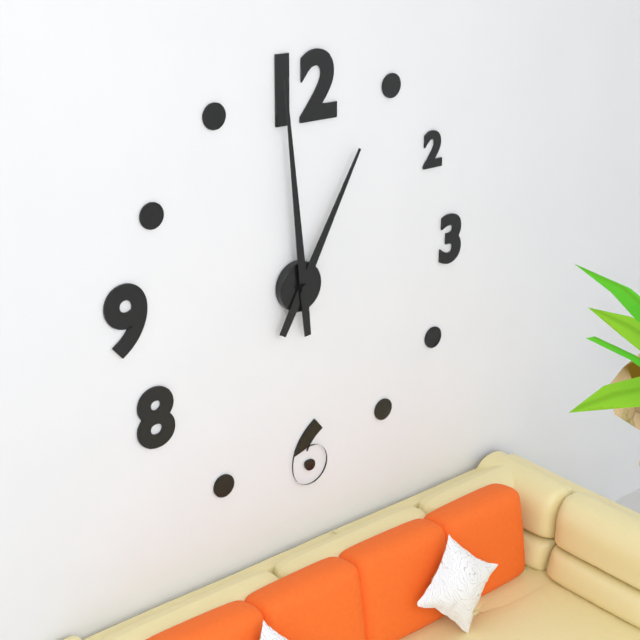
**12:59**
